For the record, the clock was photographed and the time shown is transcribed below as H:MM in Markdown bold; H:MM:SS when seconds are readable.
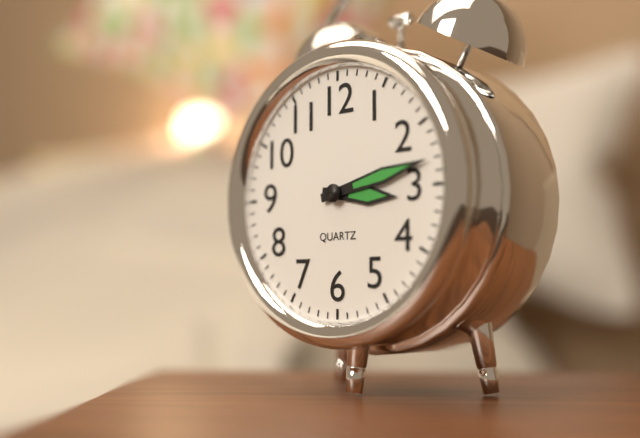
**3:13**
